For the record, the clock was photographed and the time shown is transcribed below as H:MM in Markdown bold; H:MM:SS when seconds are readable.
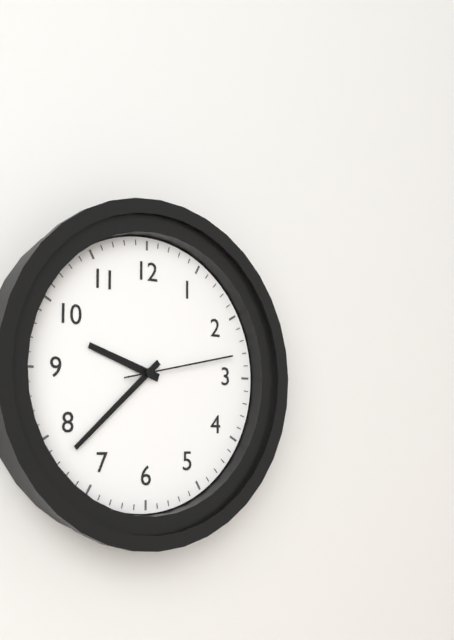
**9:38:13**
